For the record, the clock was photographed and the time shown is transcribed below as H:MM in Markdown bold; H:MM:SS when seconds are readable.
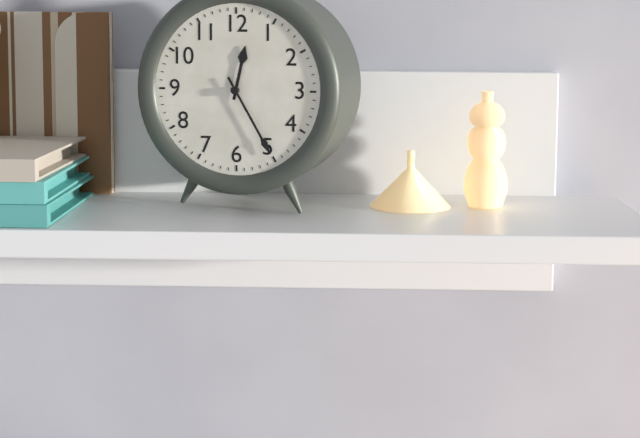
**12:25**
